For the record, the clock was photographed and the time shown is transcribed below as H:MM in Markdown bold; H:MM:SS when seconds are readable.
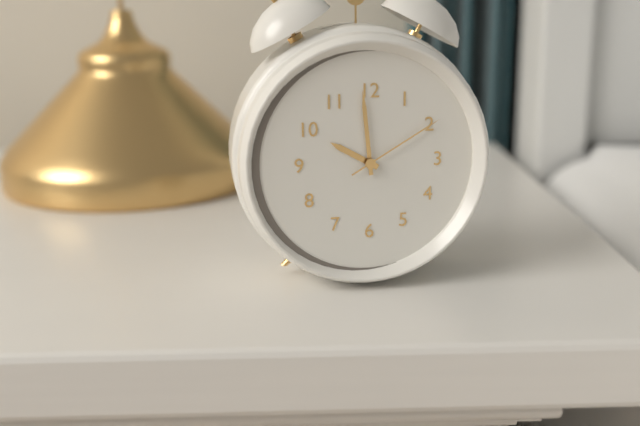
**9:59:10**
